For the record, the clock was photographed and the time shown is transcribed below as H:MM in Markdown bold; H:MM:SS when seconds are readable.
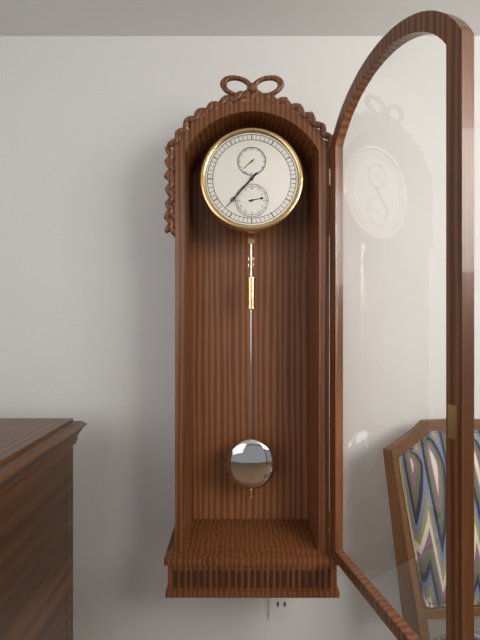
**2:37**
